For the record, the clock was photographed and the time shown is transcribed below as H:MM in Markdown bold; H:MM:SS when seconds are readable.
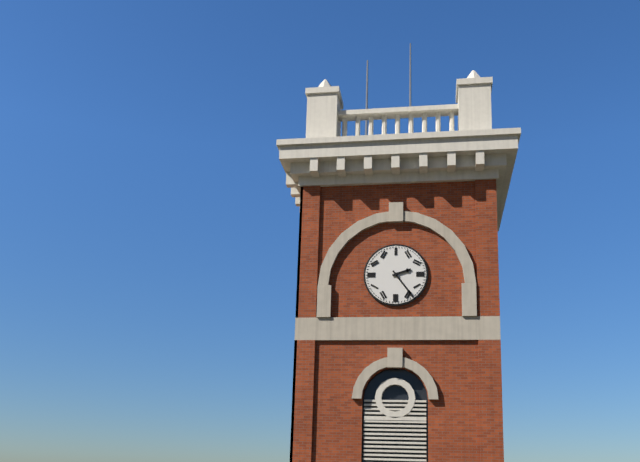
**2:24**
